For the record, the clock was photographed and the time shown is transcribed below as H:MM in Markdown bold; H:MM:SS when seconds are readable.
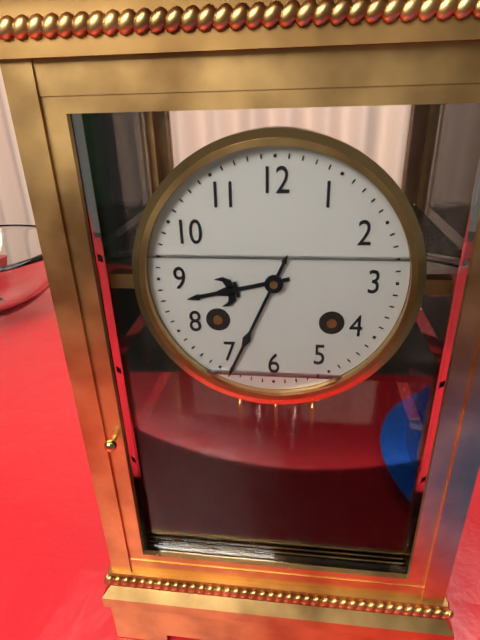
**8:34**
